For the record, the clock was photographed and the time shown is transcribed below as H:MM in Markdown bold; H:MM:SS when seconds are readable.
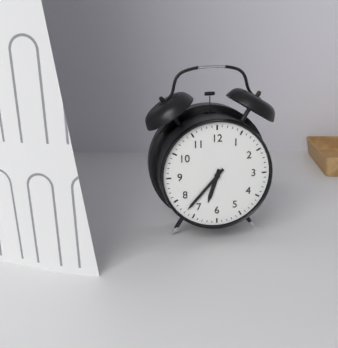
**6:37**
